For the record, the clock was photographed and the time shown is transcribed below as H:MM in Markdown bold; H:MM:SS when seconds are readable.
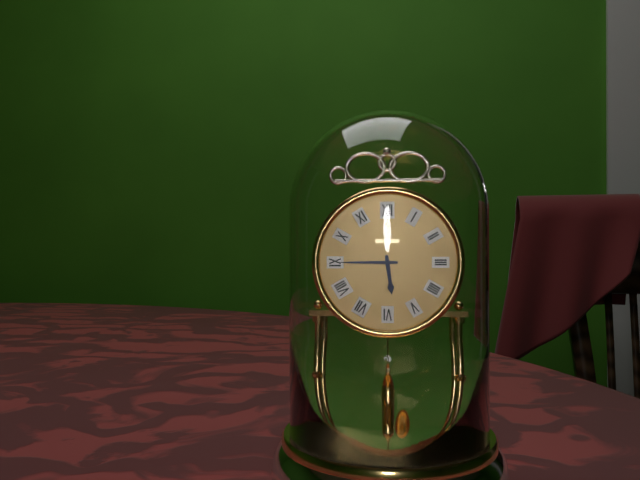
**5:45**
